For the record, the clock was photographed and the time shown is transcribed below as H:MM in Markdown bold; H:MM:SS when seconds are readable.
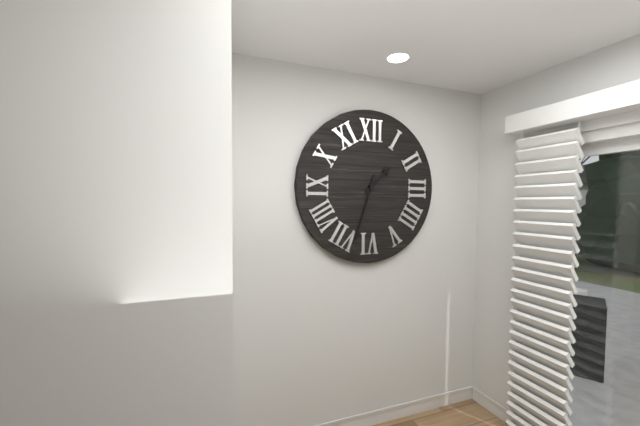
**1:33**
